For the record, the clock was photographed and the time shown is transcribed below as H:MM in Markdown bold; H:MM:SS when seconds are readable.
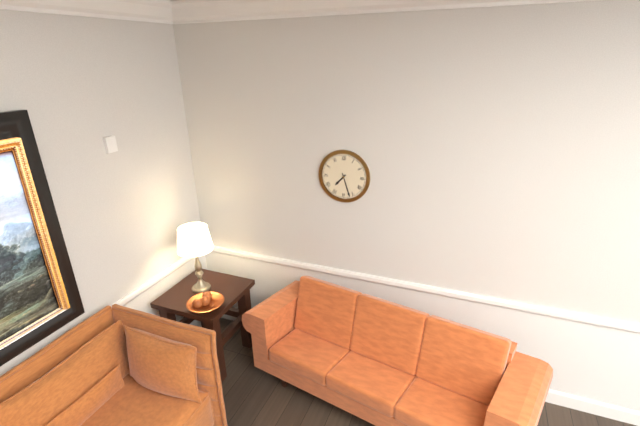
**7:27**
